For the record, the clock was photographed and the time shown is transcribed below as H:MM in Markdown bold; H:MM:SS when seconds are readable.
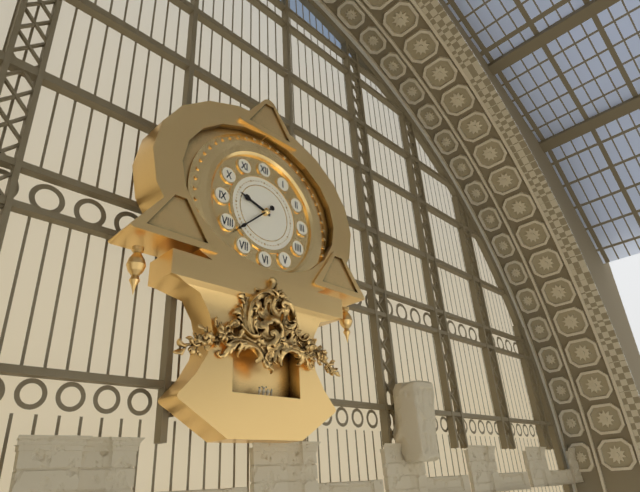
**9:38**
